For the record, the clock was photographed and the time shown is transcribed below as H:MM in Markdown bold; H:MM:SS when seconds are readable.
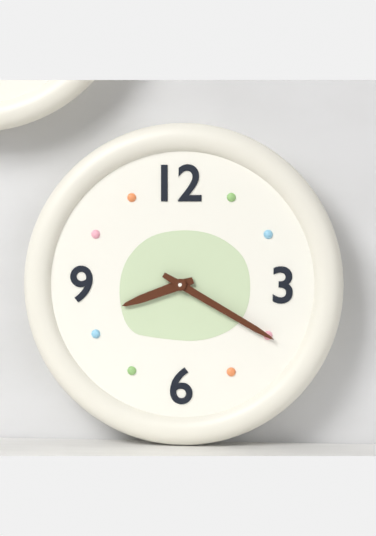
**8:20**
